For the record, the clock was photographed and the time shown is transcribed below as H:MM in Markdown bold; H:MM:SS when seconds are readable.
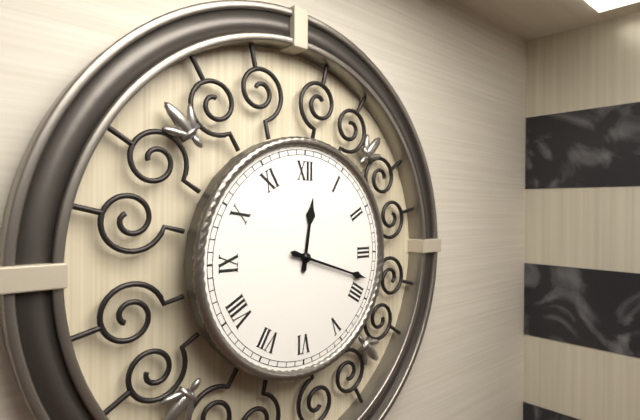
**12:18**
